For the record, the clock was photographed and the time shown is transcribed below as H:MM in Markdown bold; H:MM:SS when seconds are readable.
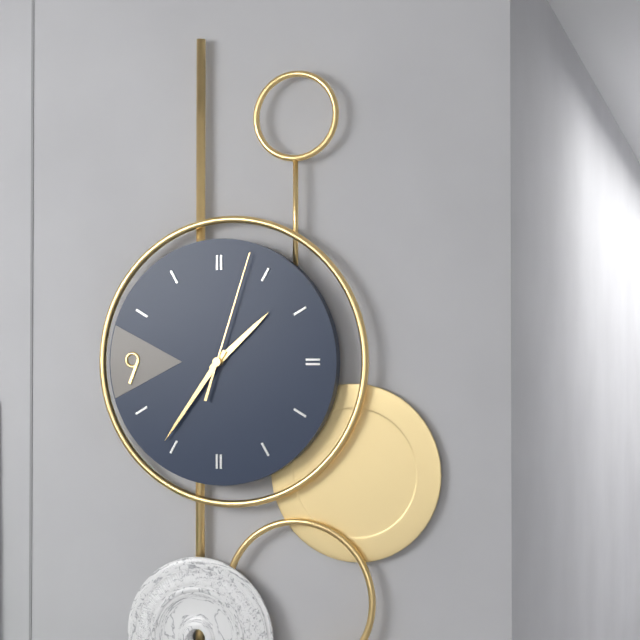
**1:36:03**
